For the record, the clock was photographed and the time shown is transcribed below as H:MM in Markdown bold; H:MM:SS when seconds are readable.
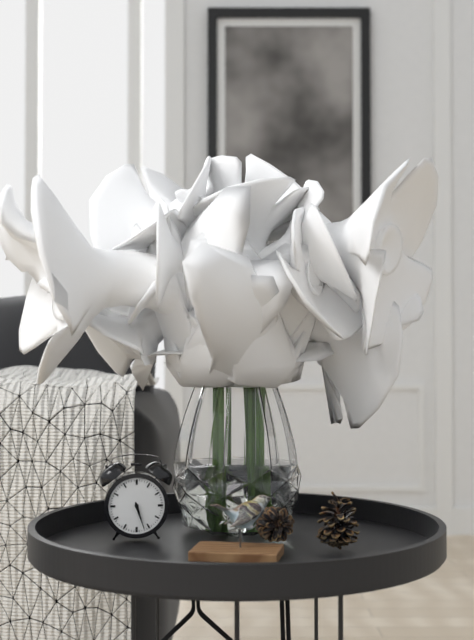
**5:27**
